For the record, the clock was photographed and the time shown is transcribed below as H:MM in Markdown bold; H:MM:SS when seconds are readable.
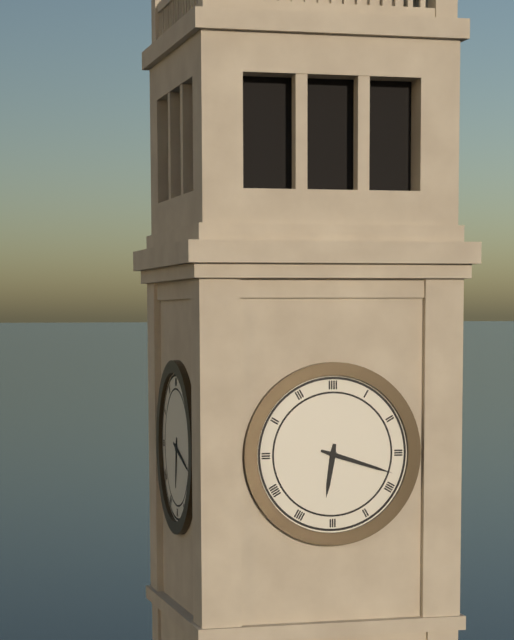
**6:18**
